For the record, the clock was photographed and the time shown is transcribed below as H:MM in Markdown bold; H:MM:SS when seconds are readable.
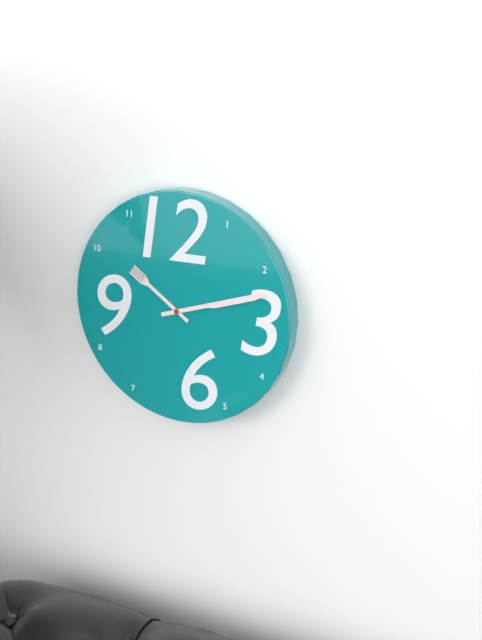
**10:12**
